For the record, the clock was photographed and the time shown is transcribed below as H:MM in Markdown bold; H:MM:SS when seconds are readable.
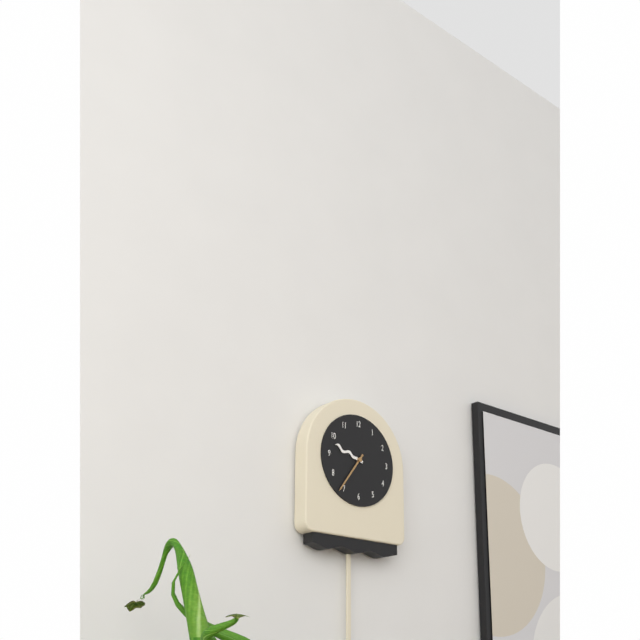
**9:36**
